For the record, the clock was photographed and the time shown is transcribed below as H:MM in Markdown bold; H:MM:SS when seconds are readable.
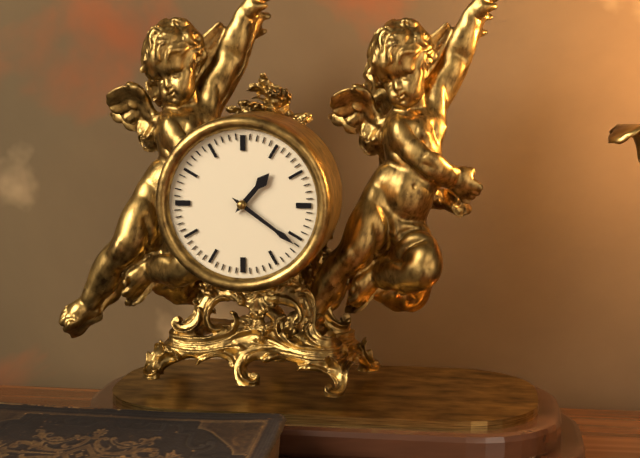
**1:21**
